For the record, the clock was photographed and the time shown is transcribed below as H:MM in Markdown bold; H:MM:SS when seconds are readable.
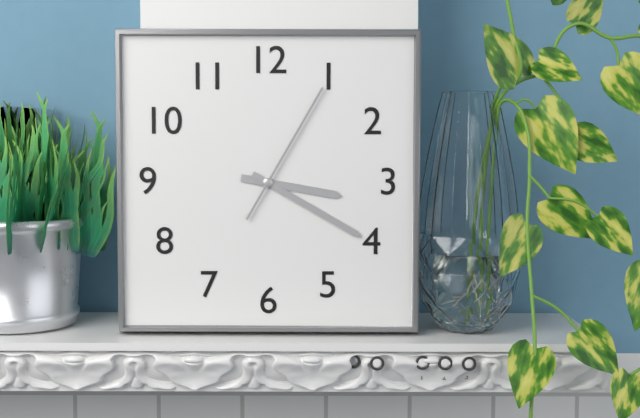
**3:20:05**
